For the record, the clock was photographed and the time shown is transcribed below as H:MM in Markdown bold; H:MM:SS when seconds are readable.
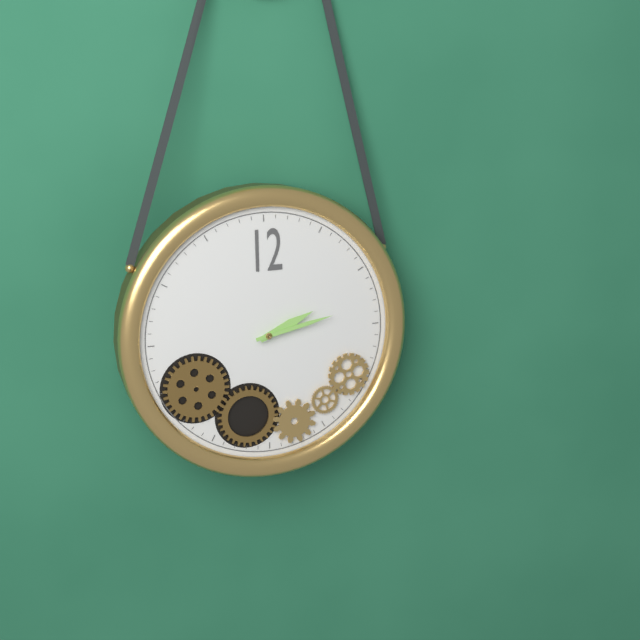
**2:13**
